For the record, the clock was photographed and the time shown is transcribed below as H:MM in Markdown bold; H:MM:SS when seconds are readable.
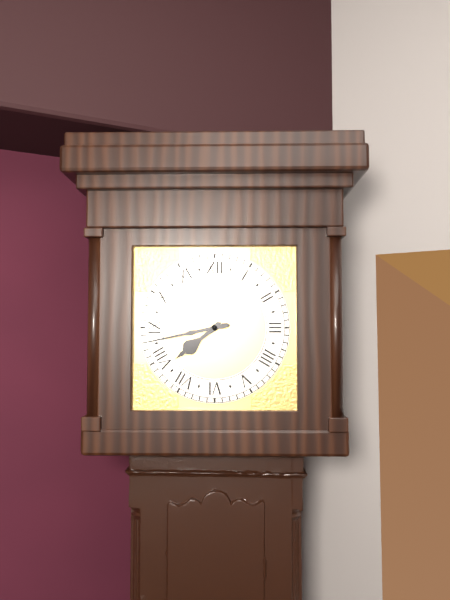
**7:43**
